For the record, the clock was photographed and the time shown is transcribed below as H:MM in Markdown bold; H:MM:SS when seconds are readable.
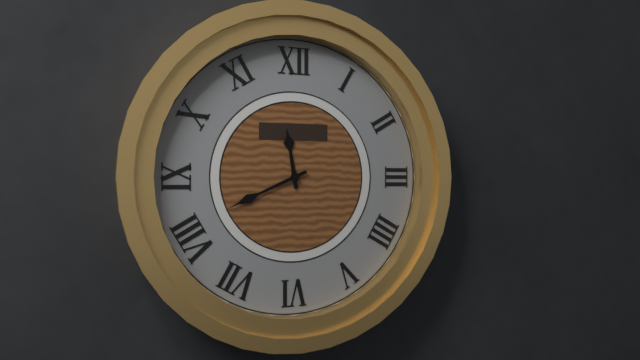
**11:41**
